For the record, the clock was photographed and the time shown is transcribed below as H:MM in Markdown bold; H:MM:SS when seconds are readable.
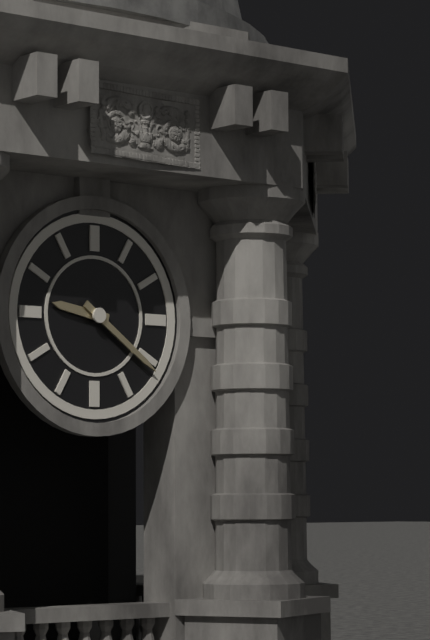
**9:21**
